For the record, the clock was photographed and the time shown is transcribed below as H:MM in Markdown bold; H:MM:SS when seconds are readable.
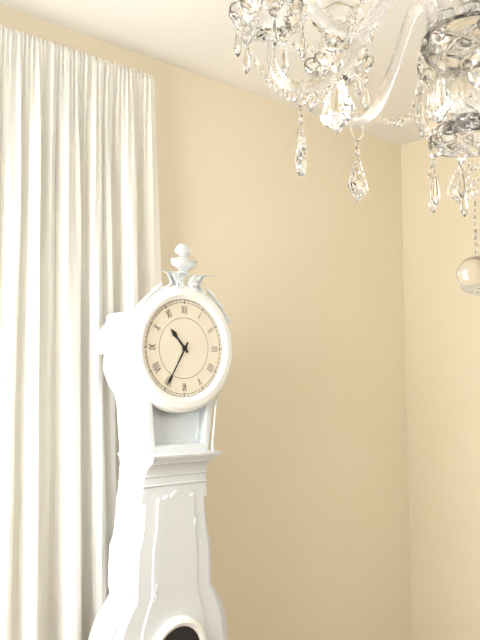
**10:35**
